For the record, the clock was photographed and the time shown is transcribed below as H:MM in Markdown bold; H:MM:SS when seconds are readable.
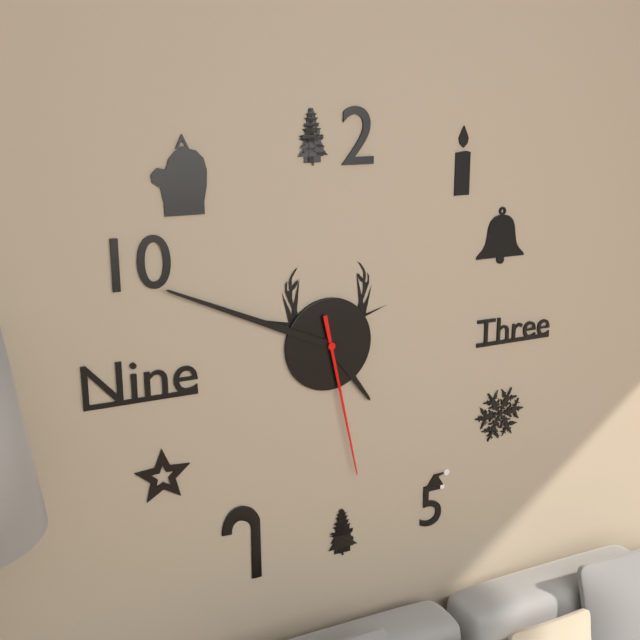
**4:49:28**
